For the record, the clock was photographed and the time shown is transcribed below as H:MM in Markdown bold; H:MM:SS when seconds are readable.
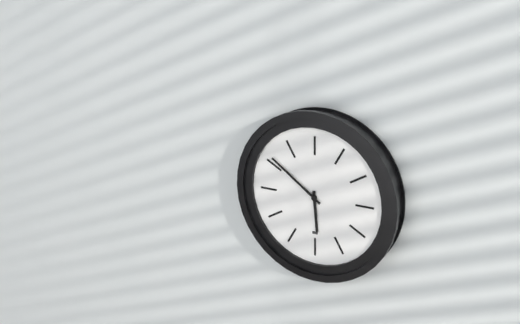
**5:51**
